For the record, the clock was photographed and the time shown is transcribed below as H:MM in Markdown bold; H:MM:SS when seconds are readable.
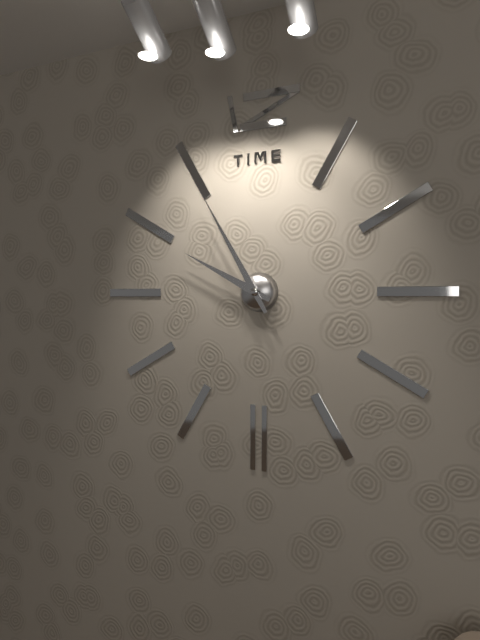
**9:55**
